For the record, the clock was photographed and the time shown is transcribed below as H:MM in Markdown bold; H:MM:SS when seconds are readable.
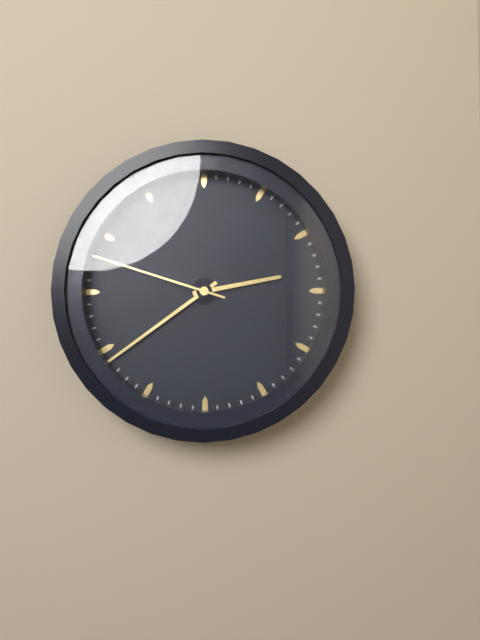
**2:39:48**
